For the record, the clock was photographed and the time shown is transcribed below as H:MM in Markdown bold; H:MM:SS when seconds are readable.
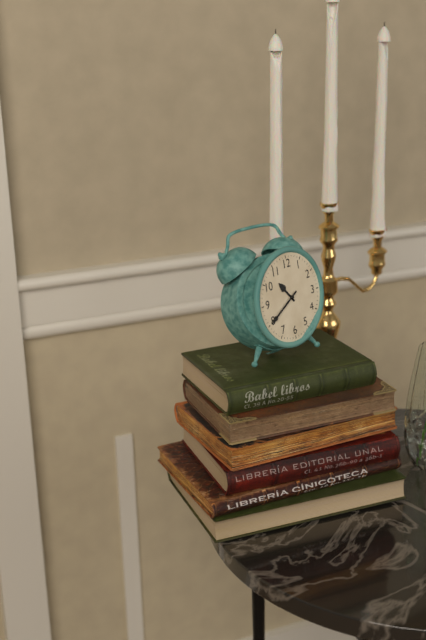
**10:40**
